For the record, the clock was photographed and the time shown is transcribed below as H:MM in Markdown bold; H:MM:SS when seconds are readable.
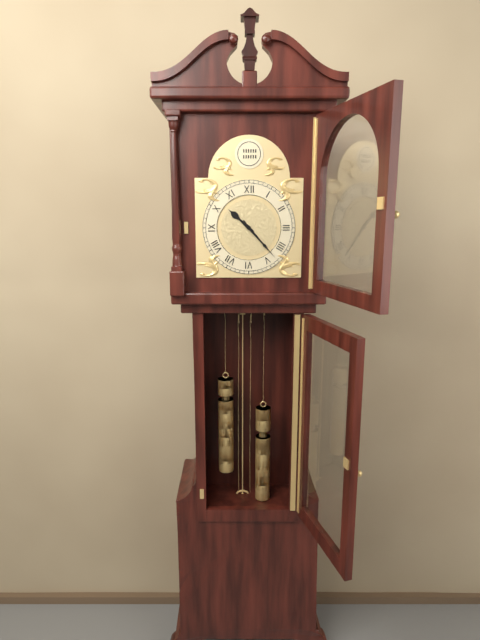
**10:23**
